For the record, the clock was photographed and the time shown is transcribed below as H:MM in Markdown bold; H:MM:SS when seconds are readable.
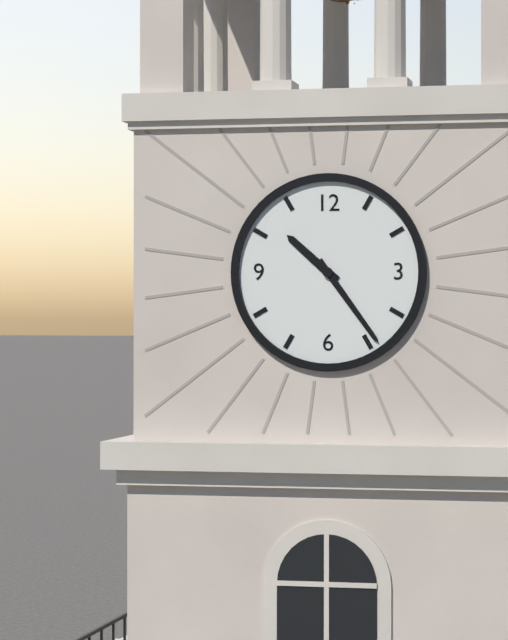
**10:24**
